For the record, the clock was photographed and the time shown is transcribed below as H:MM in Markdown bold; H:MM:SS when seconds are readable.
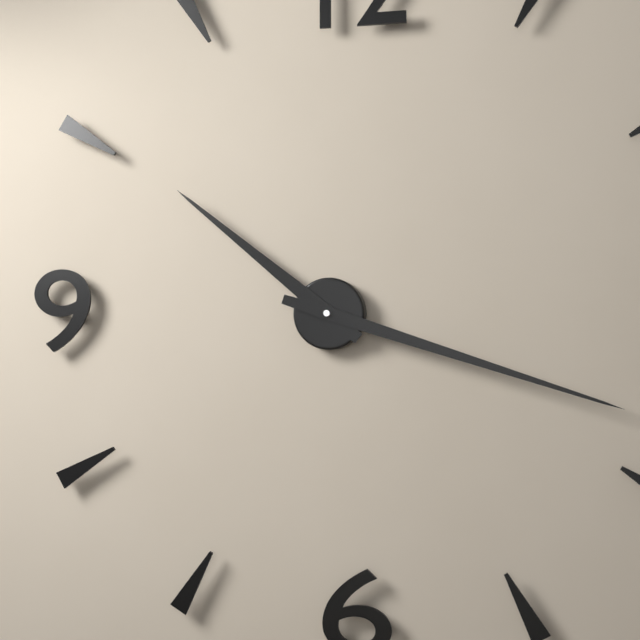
**10:18**
